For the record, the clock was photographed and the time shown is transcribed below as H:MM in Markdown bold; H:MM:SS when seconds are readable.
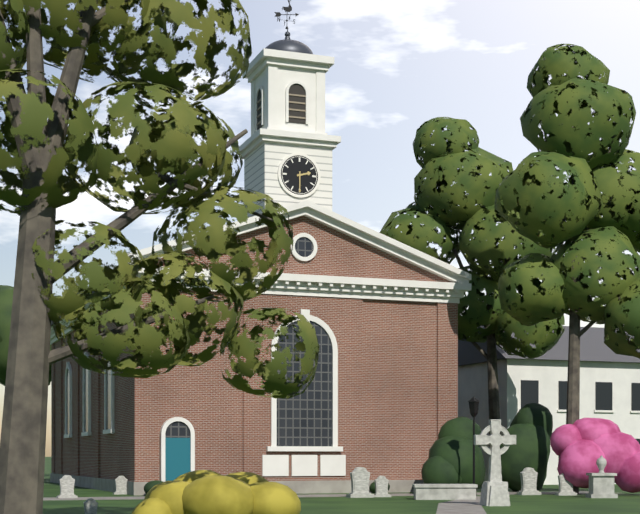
**2:30**
